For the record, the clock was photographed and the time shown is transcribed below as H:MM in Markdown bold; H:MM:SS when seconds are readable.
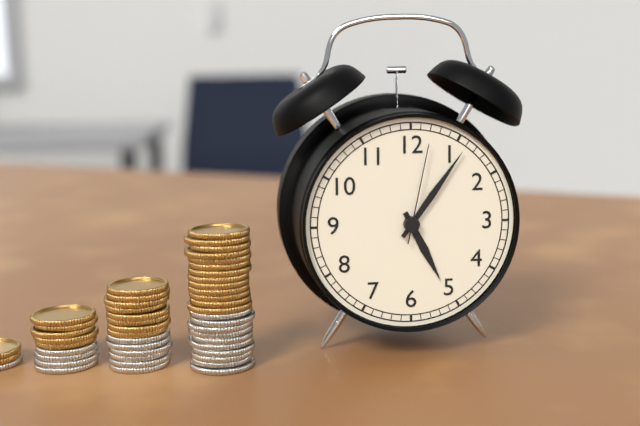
**5:06:02**
